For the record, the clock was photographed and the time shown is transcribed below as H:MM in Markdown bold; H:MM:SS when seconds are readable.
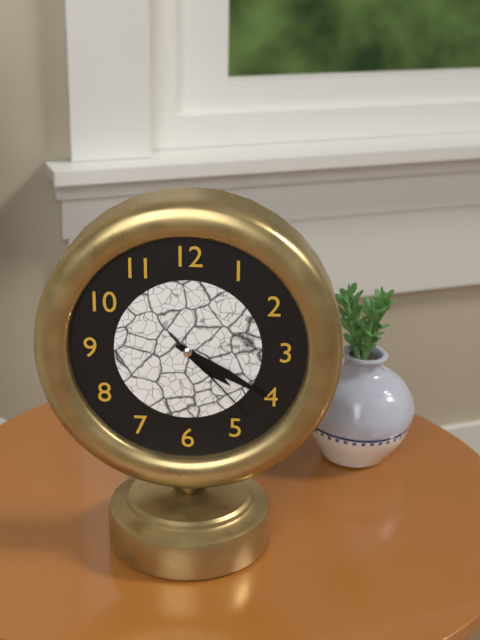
**4:20:23**
